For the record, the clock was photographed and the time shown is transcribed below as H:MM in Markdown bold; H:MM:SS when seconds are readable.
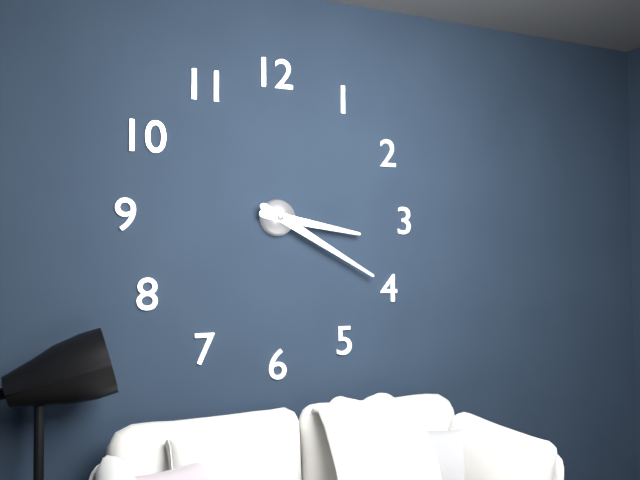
**3:20**
